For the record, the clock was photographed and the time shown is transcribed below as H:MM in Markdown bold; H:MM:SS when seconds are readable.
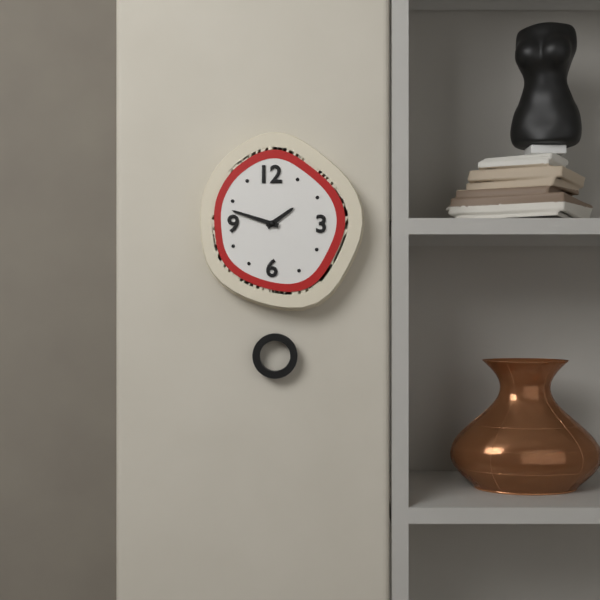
**1:48**
